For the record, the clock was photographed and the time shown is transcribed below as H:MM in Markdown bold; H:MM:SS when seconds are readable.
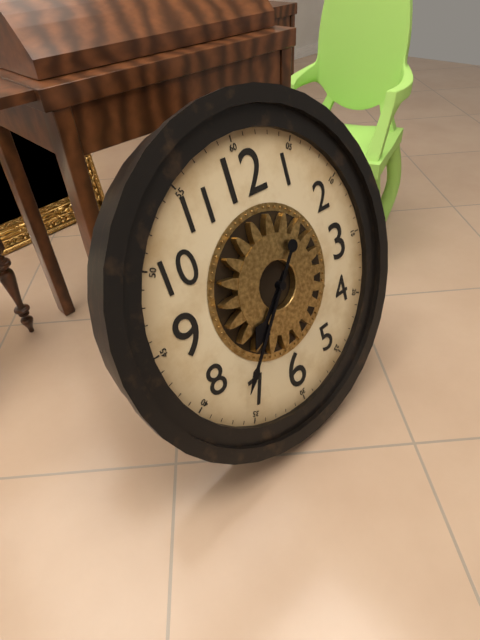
**7:37**
